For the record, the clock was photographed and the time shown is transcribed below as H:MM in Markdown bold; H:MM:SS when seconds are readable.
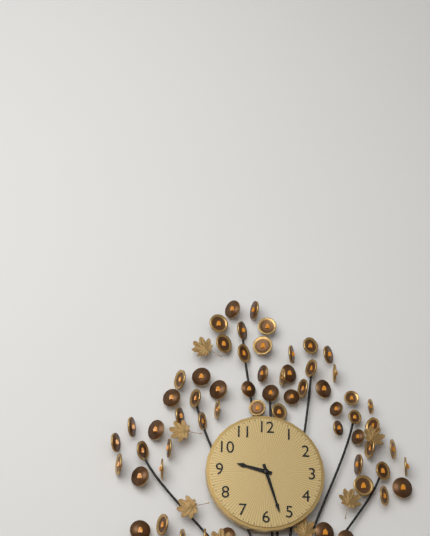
**9:27**
